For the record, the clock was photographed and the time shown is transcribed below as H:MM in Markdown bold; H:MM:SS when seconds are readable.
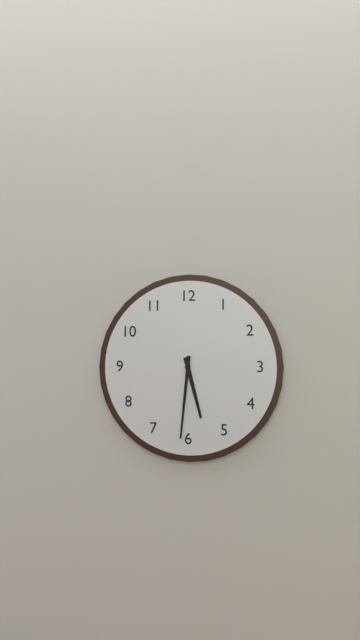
**5:31**
